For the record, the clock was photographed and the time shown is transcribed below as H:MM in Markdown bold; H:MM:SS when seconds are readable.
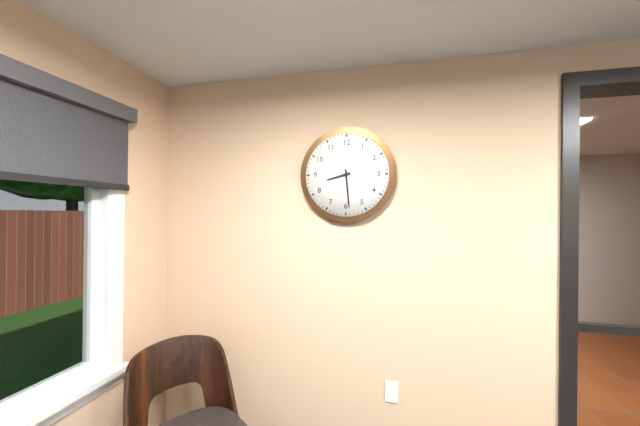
**8:29**
